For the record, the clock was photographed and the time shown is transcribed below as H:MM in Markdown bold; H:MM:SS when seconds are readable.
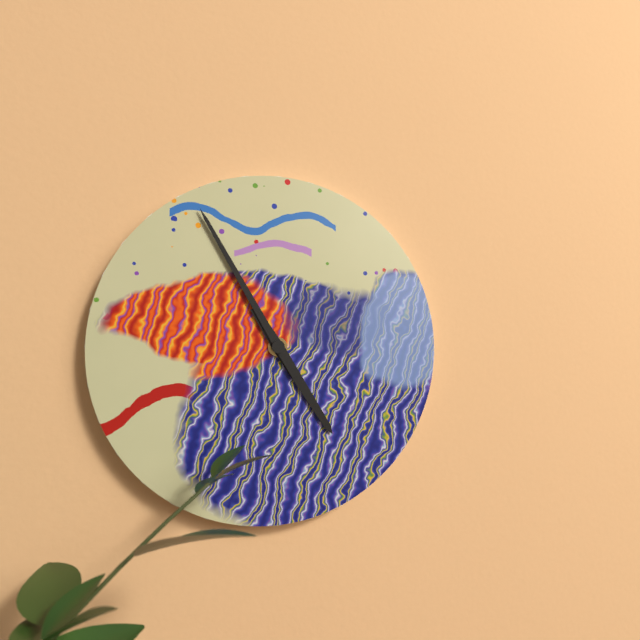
**4:55**
